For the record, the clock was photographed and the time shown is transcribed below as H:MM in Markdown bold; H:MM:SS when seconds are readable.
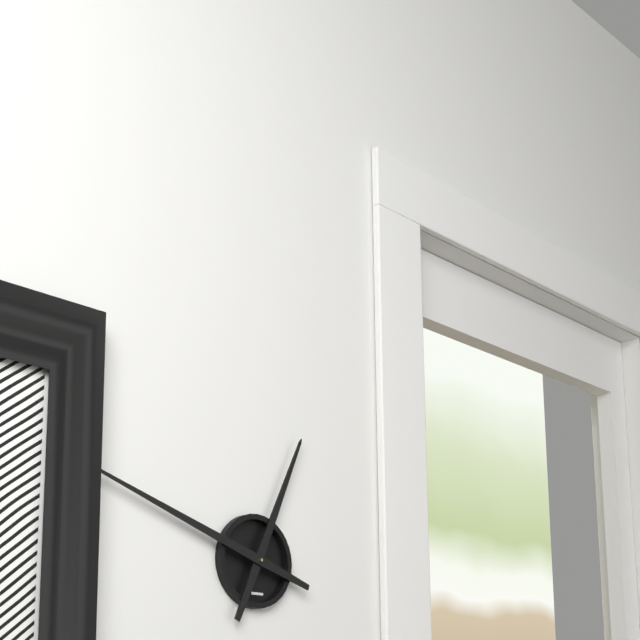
**12:48**
